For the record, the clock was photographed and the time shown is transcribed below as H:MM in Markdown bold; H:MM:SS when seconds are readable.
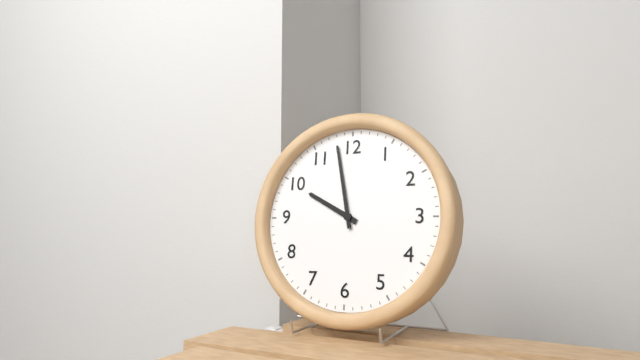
**9:58**
